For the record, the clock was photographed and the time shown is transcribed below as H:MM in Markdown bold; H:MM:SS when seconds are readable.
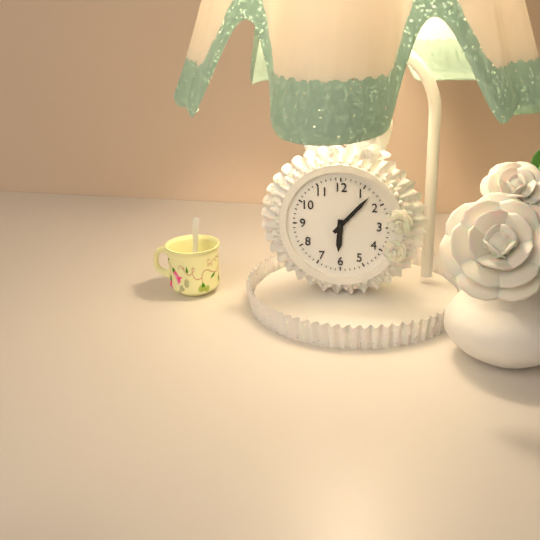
**6:07**
